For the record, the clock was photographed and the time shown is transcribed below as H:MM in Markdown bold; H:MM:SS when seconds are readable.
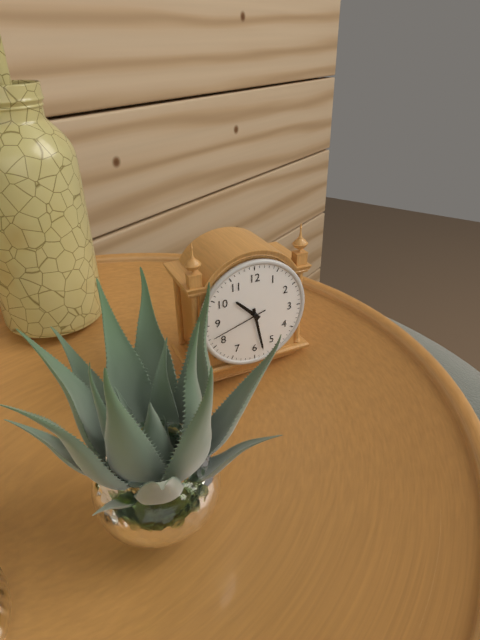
**10:28:42**
